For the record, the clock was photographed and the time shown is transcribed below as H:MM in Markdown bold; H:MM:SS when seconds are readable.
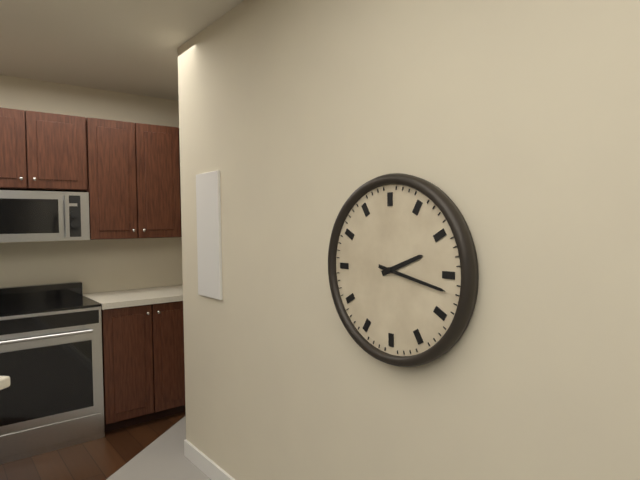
**2:17**
